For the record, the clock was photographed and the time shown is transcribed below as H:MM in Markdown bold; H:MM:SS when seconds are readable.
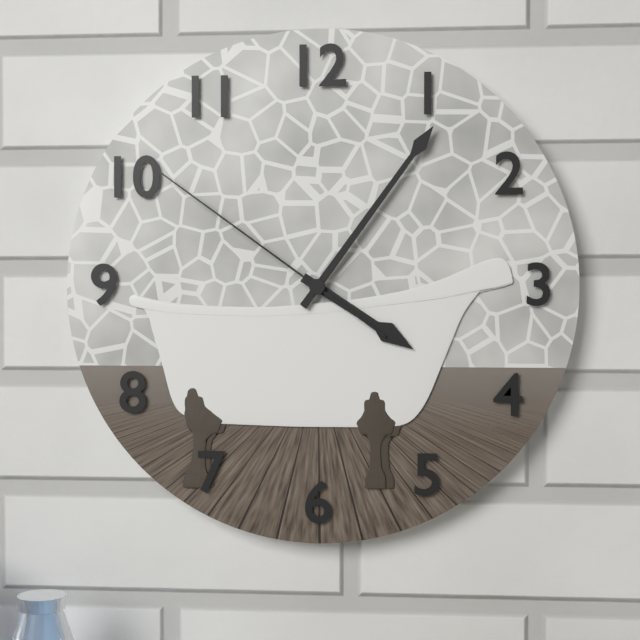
**4:06:51**
